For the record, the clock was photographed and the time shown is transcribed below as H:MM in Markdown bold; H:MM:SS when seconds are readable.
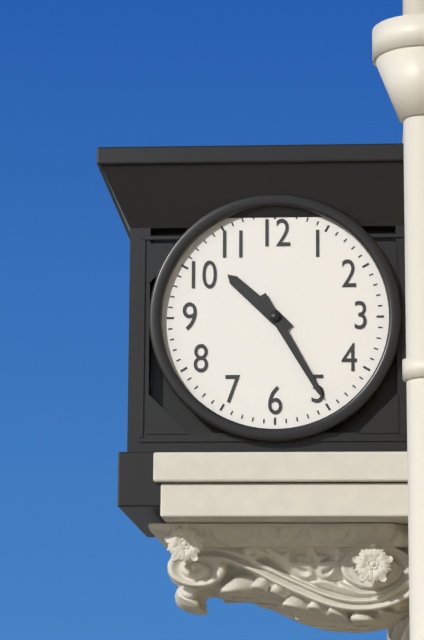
**10:25**
